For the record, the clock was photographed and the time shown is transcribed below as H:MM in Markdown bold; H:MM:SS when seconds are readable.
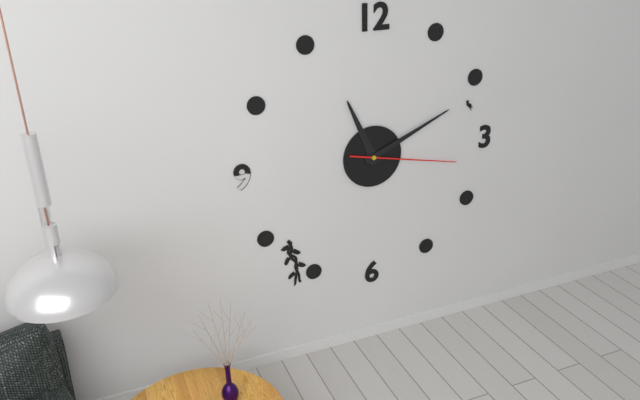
**11:11:17**
